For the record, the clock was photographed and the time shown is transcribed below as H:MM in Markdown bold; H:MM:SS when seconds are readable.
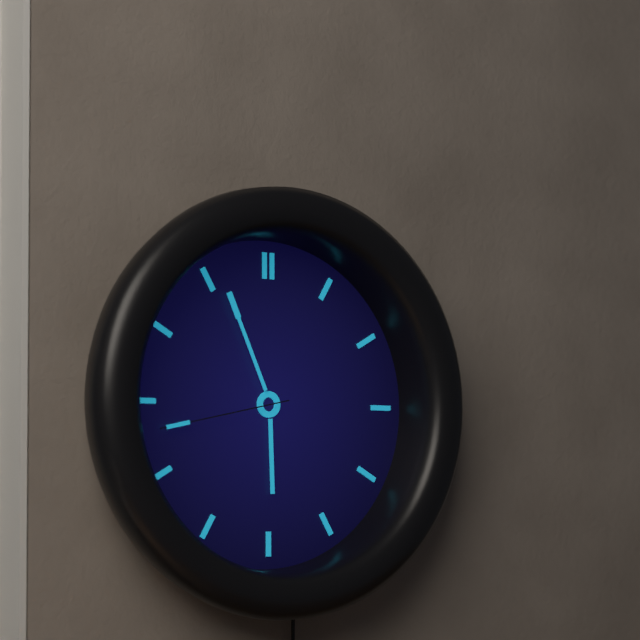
**5:56:43**
